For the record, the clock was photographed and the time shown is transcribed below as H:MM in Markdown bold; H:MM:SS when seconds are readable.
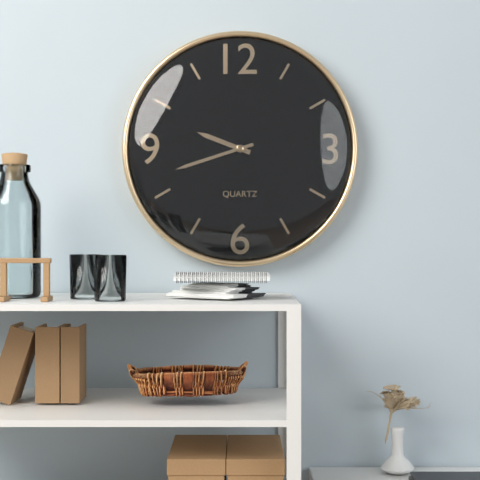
**9:42**
